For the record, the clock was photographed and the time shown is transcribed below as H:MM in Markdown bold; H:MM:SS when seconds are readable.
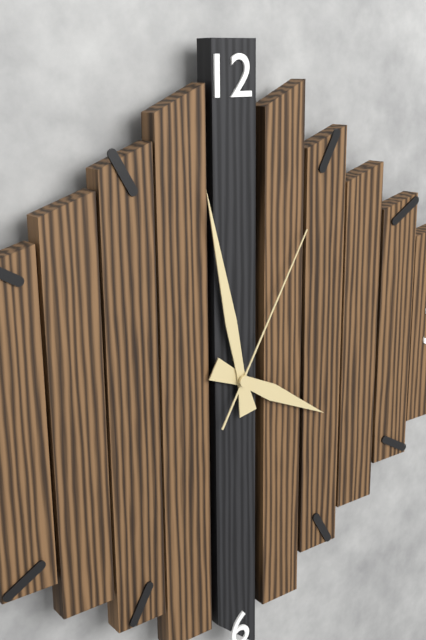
**3:58:05**
